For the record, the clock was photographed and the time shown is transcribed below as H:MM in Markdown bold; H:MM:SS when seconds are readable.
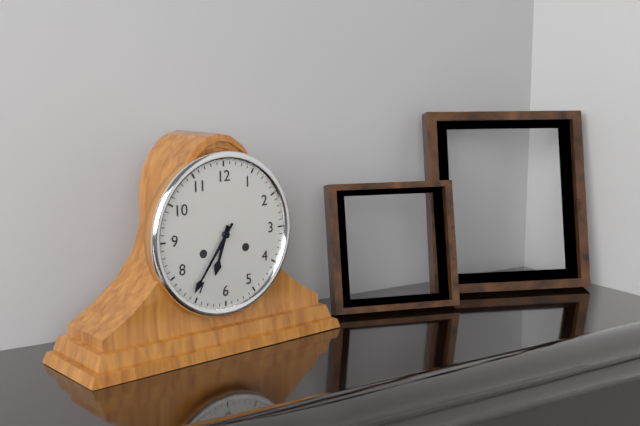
**6:36**
